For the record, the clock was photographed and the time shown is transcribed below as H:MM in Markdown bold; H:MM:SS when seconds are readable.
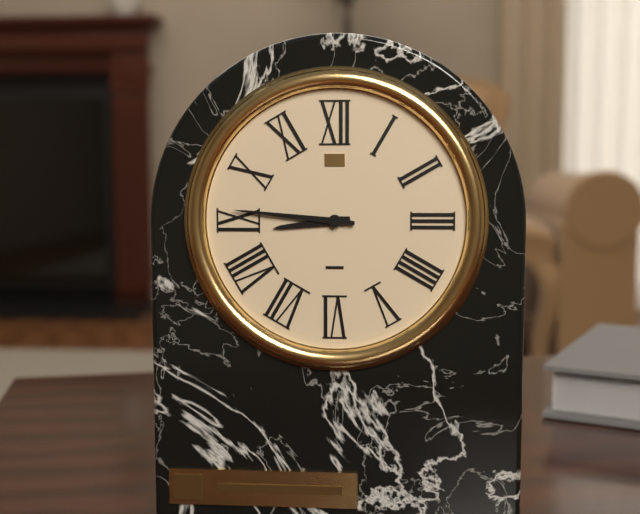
**8:46**
